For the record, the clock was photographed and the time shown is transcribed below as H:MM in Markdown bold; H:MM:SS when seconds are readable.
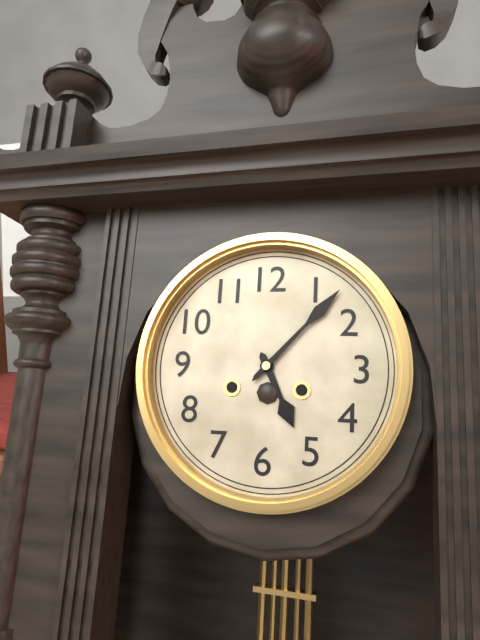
**5:07**
